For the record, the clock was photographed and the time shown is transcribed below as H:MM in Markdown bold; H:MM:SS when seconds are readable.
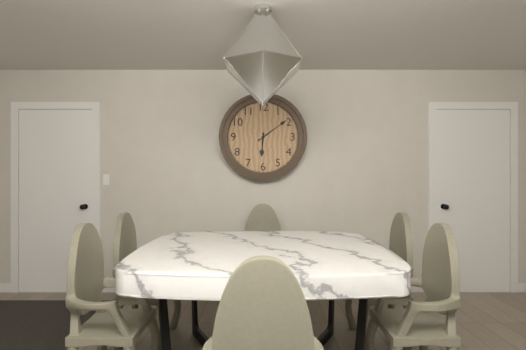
**6:09**
